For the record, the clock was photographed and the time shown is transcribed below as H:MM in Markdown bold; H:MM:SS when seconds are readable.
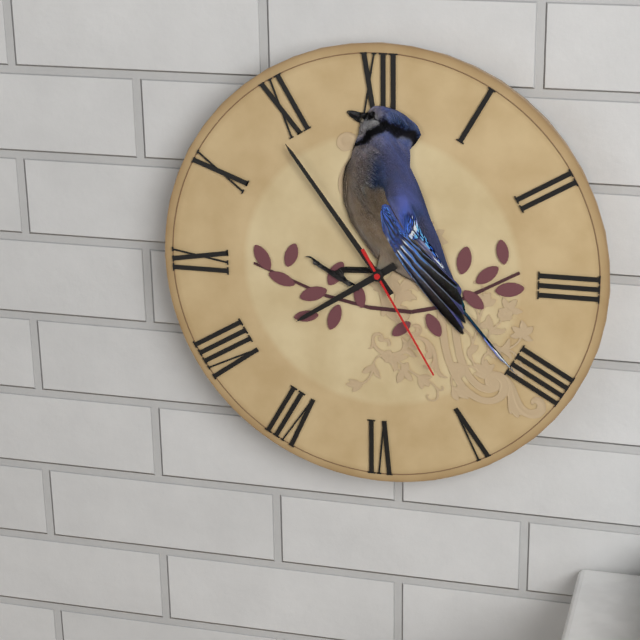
**7:54:25**
